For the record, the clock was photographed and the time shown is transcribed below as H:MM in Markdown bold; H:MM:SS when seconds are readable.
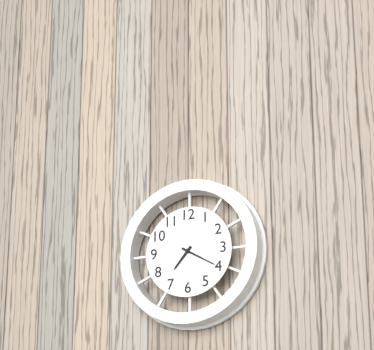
**7:20**
